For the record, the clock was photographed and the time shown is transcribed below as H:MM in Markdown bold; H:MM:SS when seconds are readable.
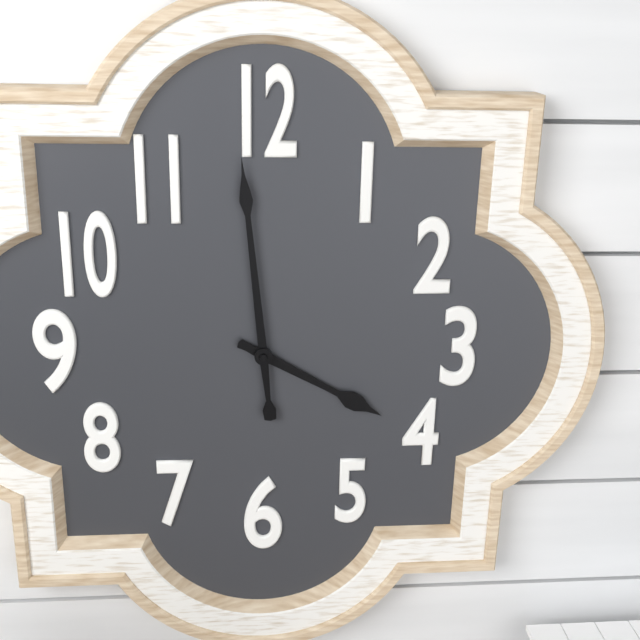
**3:59**
